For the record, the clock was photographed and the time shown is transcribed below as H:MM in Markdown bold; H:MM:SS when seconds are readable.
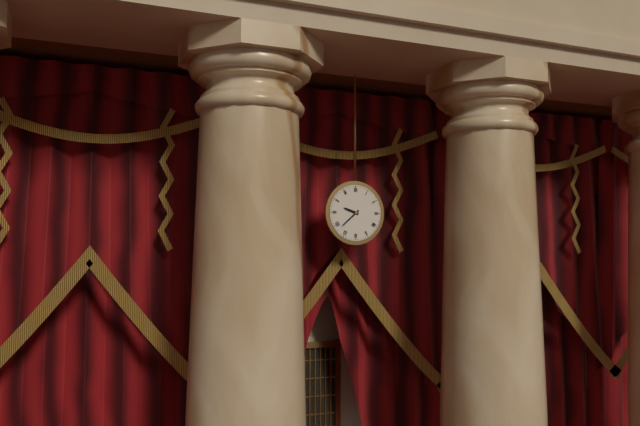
**9:38**
